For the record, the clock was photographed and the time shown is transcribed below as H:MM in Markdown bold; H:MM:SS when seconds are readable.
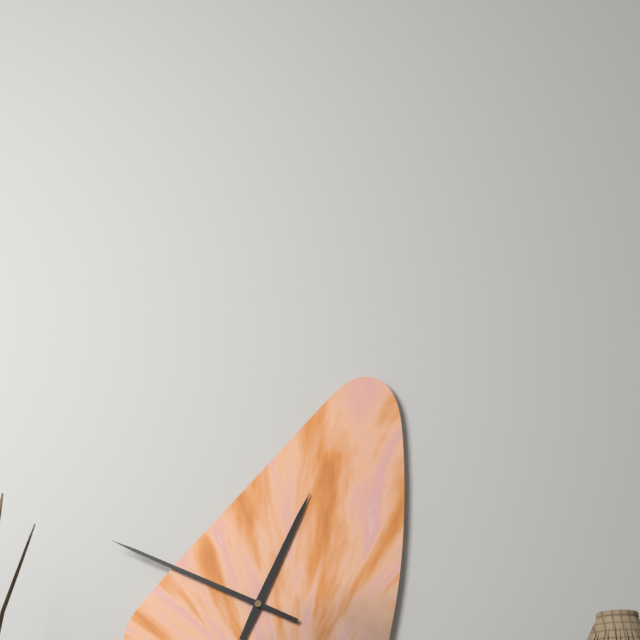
**12:49**
